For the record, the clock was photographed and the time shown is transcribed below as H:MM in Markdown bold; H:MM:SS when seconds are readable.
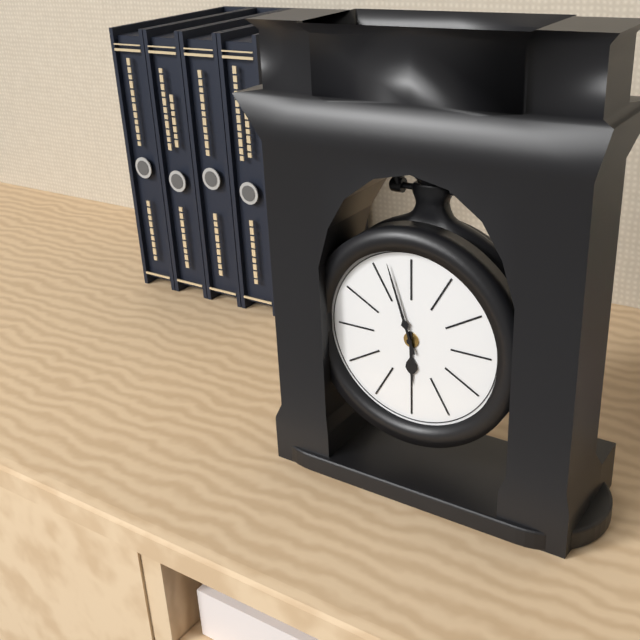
**5:57**
